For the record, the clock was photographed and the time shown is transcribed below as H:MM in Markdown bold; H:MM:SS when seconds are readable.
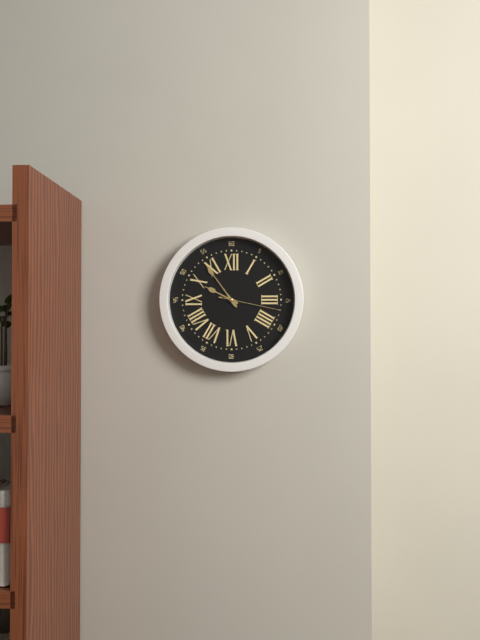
**9:54:17**
